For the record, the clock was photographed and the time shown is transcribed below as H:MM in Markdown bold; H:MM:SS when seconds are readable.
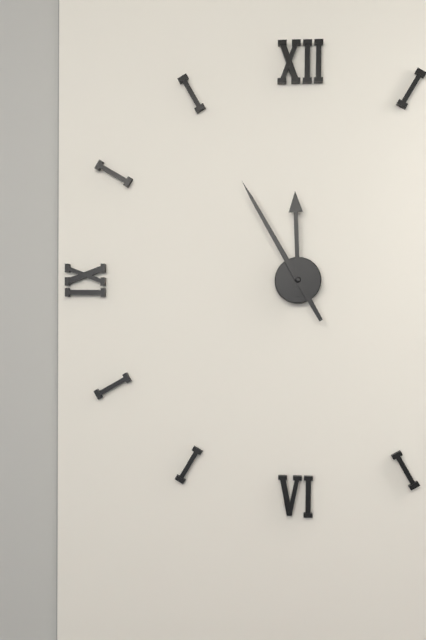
**11:55**
